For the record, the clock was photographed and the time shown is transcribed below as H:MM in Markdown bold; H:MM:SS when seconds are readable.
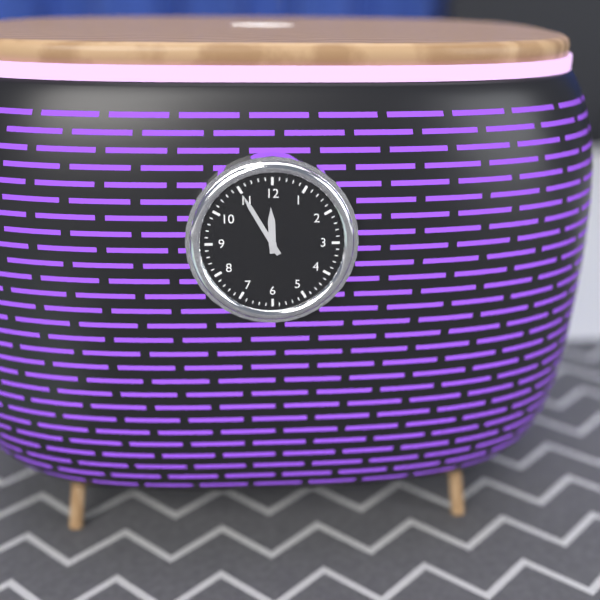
**11:55**
